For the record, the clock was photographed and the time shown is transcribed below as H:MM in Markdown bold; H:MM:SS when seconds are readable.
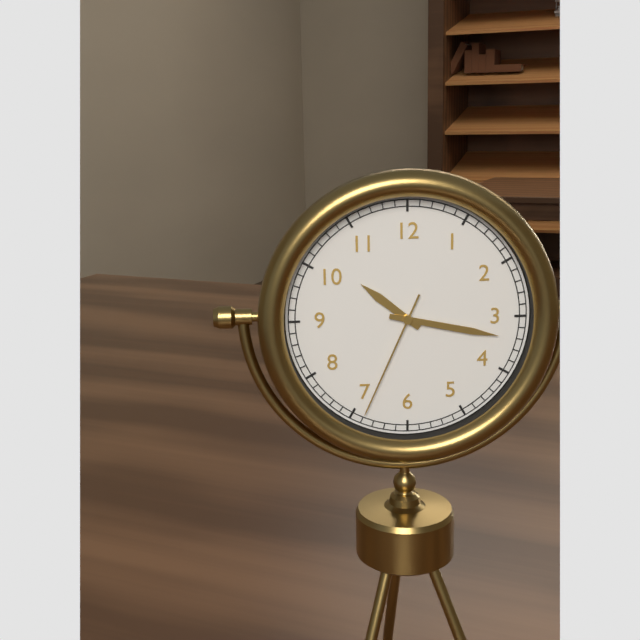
**10:17:34**
